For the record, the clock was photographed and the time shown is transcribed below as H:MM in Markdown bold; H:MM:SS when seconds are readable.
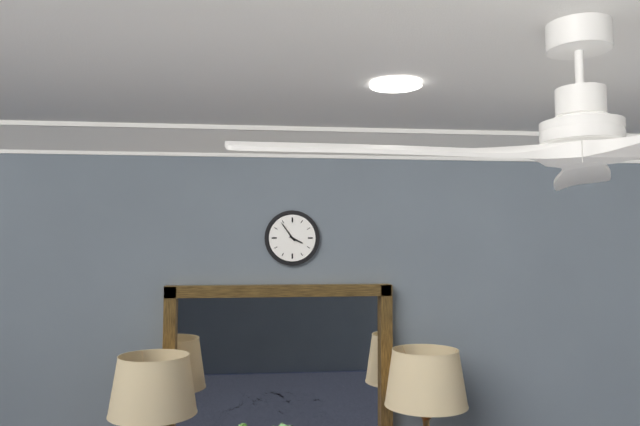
**3:54**
